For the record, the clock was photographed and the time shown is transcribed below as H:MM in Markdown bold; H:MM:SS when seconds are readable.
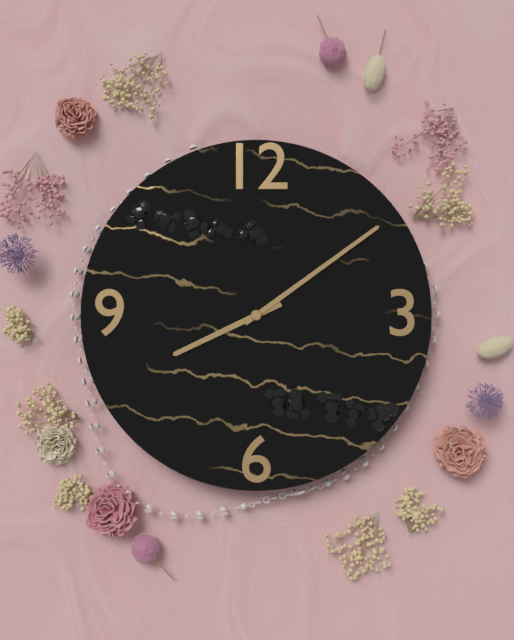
**8:09**
